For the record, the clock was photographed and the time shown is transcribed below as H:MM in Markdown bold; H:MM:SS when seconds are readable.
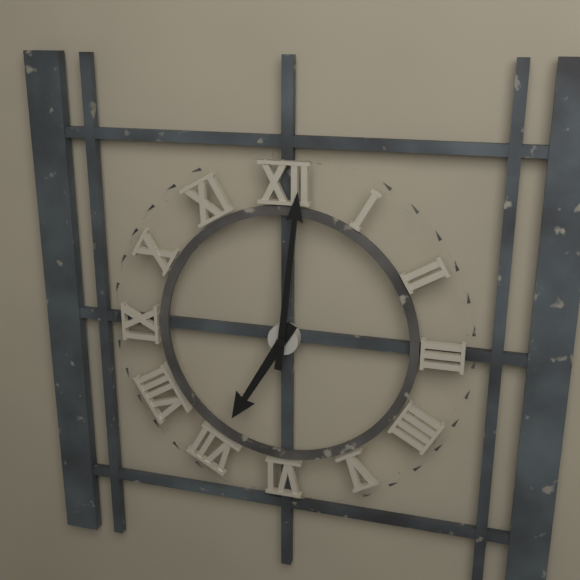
**7:01**
